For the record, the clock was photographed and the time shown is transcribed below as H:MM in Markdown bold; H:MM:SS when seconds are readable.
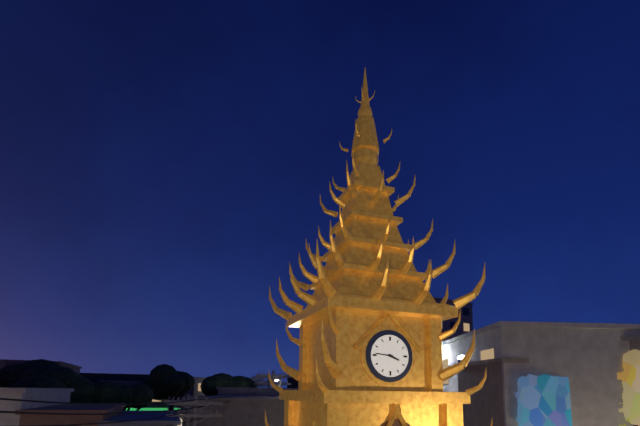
**3:46**
